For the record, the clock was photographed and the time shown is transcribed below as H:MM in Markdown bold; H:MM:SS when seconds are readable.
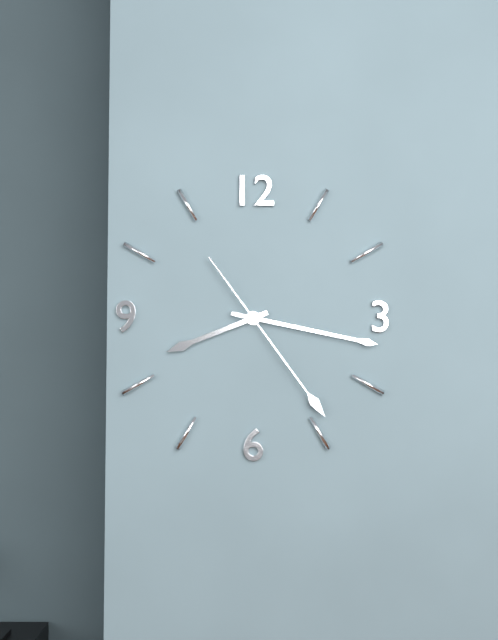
**8:17:24**
